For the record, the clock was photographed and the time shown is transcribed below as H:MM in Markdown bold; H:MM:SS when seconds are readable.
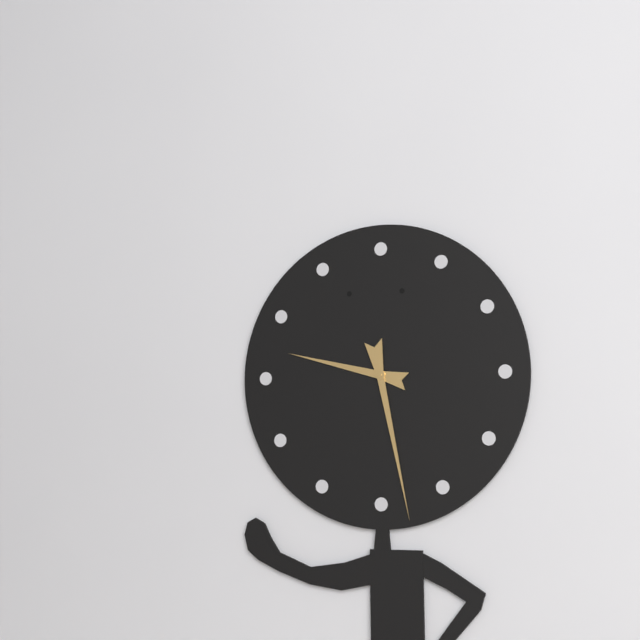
**9:28**
